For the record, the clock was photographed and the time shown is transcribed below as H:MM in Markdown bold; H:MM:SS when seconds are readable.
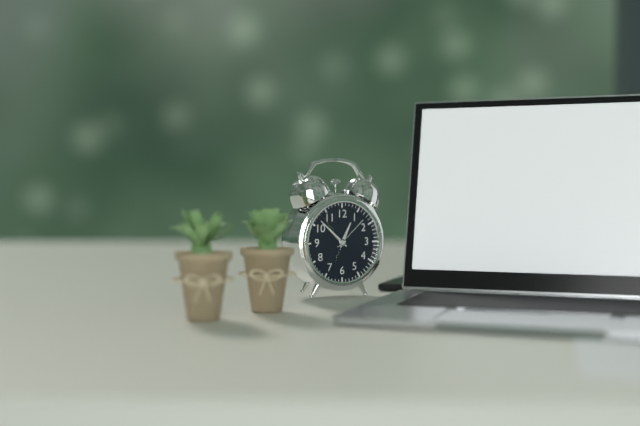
**12:52**
